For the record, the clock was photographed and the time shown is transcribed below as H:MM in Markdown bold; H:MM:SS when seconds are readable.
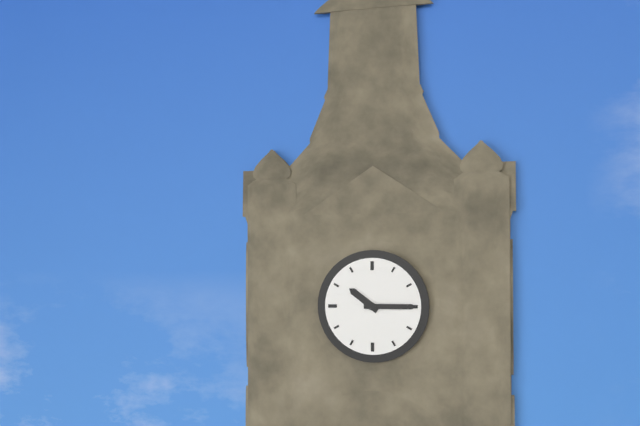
**10:15**
